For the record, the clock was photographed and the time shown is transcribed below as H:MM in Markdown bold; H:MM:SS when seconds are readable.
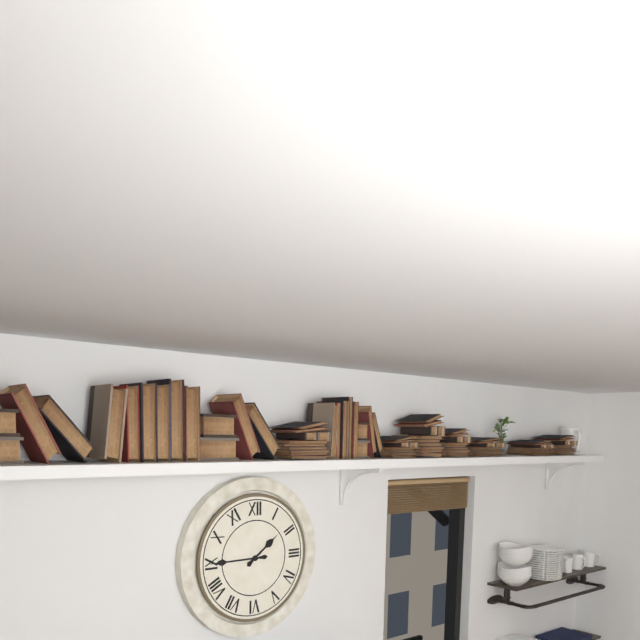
**1:45**
